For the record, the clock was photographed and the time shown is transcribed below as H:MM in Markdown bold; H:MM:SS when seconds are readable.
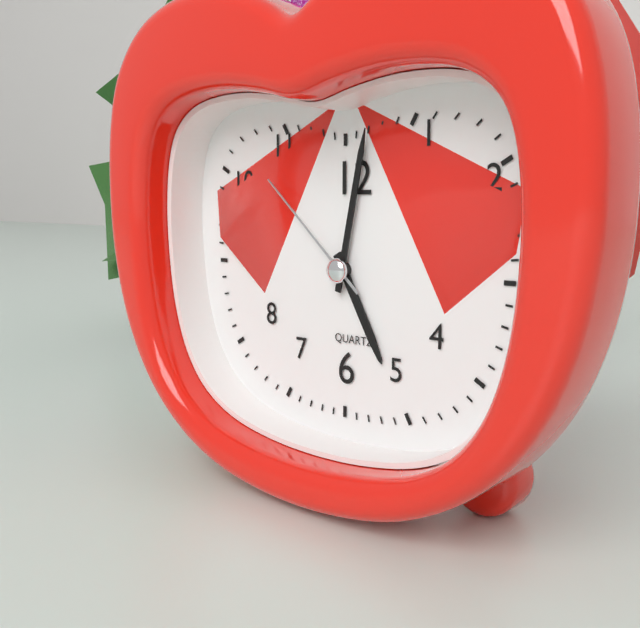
**5:02:52**
